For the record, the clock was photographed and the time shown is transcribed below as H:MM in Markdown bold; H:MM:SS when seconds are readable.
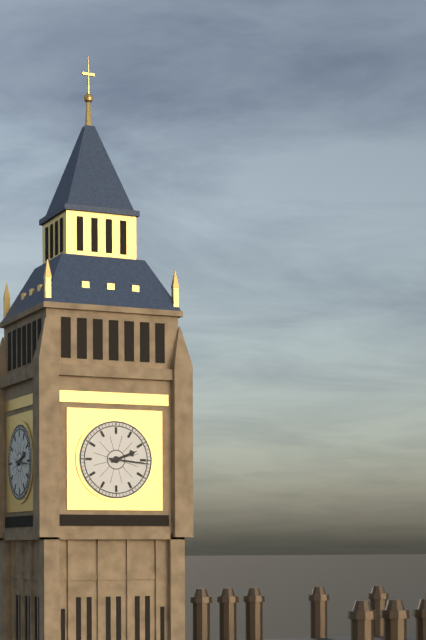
**2:16**
